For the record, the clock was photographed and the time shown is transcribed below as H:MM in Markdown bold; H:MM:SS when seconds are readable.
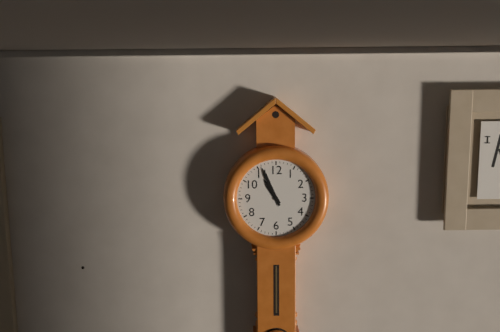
**10:56**
